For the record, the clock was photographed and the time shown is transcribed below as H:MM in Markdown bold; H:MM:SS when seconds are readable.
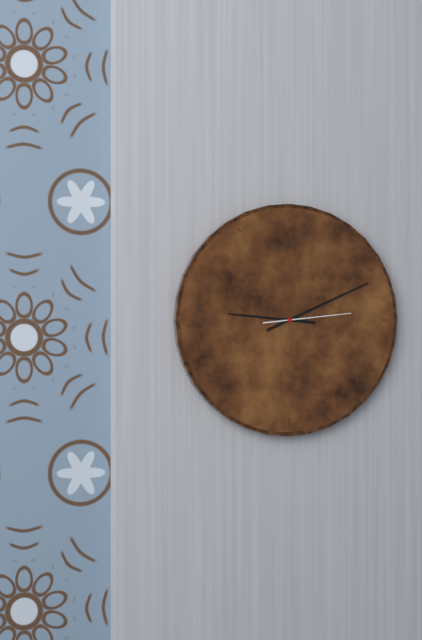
**9:11:14**
